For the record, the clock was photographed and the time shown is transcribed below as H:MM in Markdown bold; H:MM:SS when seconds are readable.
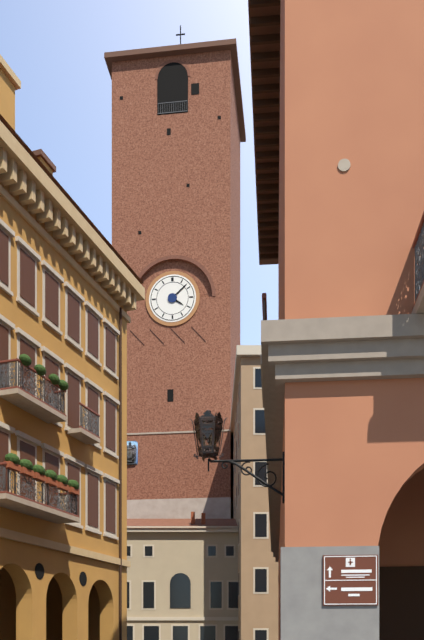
**4:08**
